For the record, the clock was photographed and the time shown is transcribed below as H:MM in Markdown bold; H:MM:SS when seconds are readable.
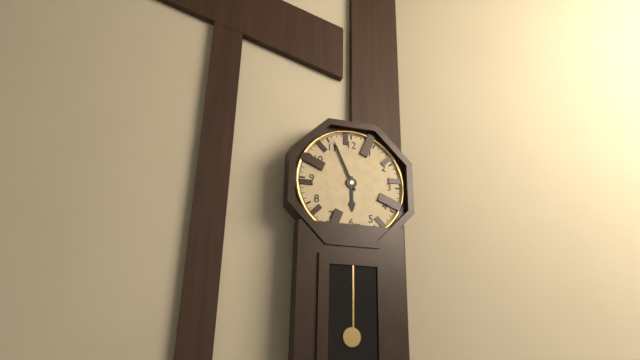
**5:56**
